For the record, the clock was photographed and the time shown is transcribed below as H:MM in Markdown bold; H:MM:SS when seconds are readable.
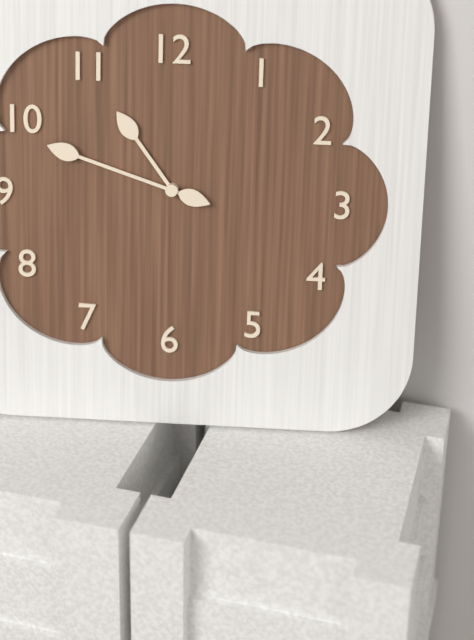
**10:48**
